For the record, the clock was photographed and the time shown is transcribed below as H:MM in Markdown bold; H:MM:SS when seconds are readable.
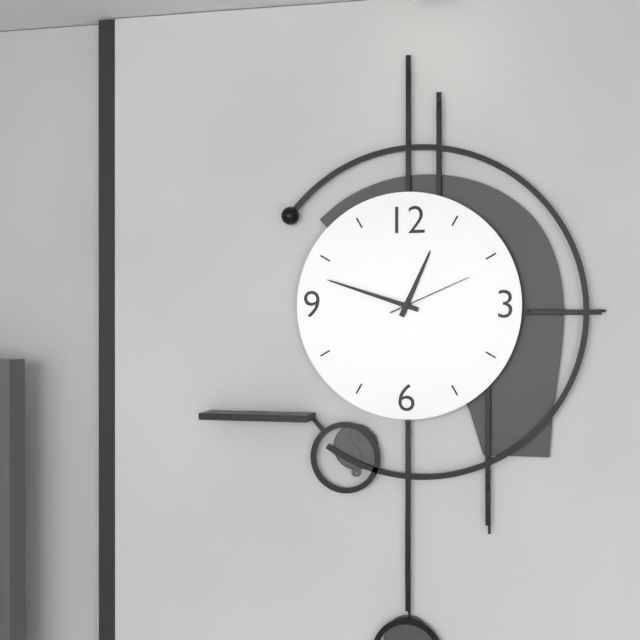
**12:48:11**
